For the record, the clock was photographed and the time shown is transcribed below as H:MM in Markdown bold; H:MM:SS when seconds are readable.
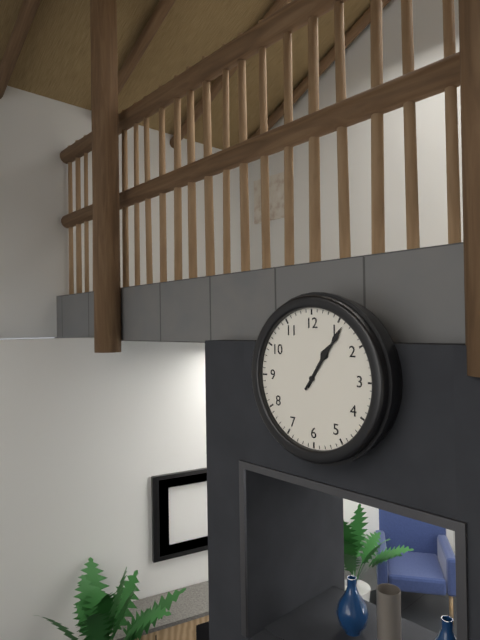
**1:06**
